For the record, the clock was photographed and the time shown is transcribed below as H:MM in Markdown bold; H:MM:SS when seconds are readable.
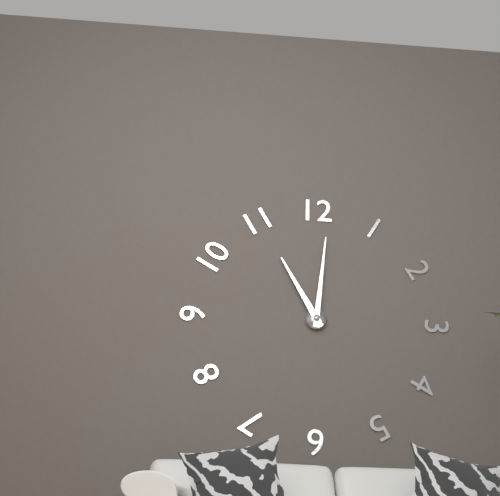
**11:01**
